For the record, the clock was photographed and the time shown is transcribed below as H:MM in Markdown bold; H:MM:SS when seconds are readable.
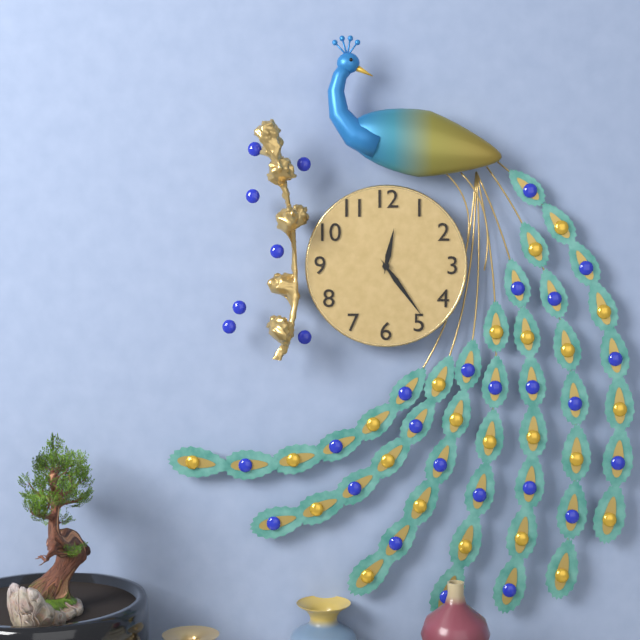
**12:24**
